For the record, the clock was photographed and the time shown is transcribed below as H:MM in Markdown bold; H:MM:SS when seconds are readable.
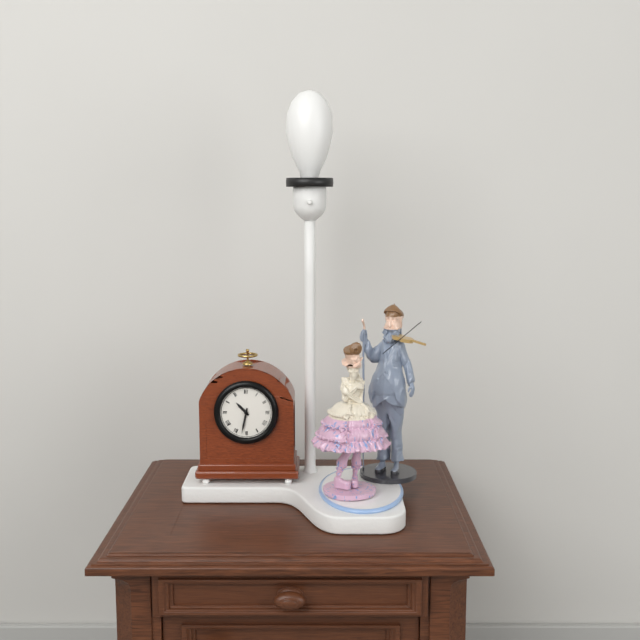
**10:32**
